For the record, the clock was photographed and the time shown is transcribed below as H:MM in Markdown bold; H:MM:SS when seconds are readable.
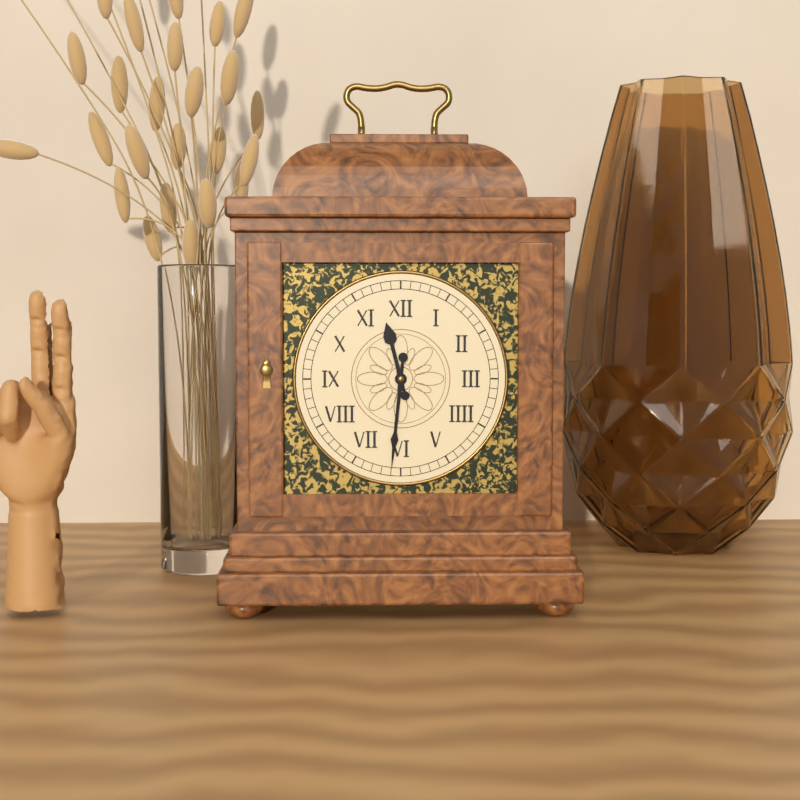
**11:31**
